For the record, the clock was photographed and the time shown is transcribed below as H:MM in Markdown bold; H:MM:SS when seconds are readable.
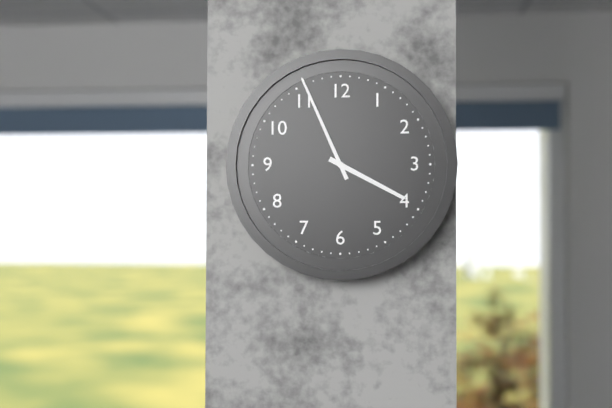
**3:56**
